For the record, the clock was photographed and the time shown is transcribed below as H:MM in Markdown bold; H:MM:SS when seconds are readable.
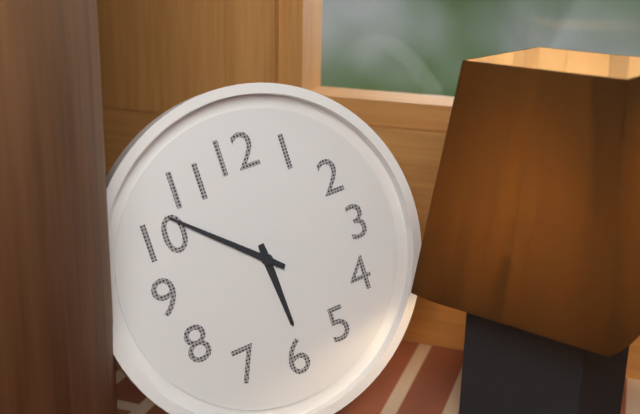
**5:52**
